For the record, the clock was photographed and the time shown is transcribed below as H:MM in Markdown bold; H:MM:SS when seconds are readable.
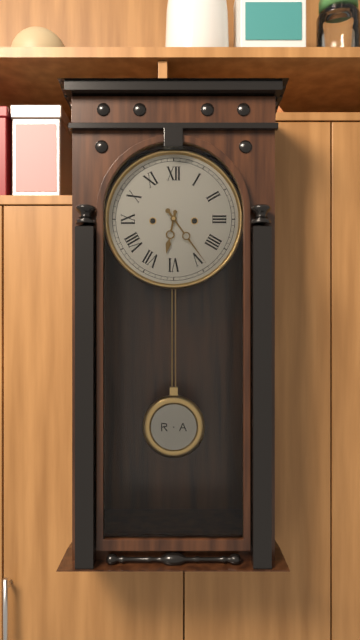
**6:24**
